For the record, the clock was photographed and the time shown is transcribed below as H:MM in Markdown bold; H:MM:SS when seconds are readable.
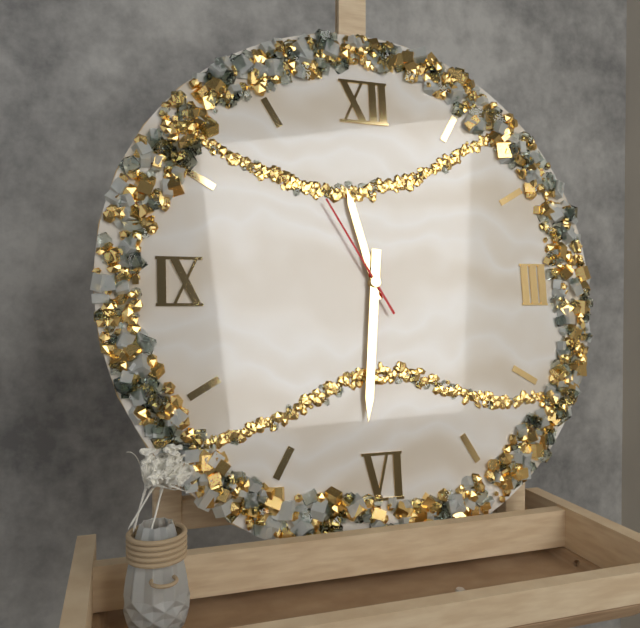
**11:31:55**
